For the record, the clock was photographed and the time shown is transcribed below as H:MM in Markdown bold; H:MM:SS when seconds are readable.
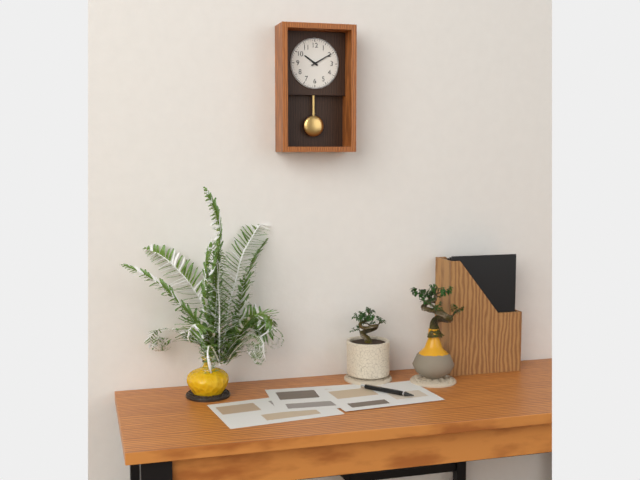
**10:10**
